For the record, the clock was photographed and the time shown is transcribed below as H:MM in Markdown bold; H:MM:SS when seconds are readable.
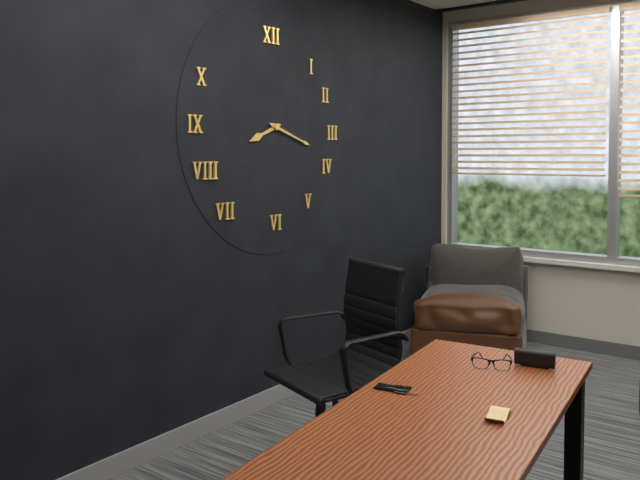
**8:18**
